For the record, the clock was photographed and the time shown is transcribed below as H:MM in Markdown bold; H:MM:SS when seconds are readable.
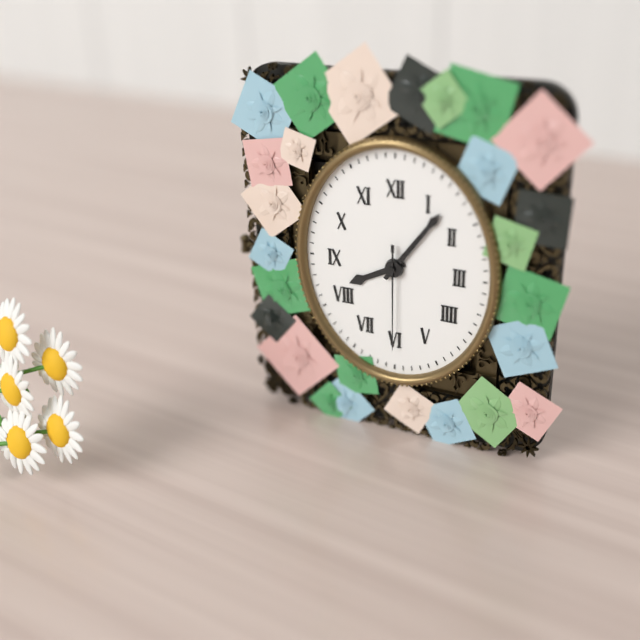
**8:06:30**
